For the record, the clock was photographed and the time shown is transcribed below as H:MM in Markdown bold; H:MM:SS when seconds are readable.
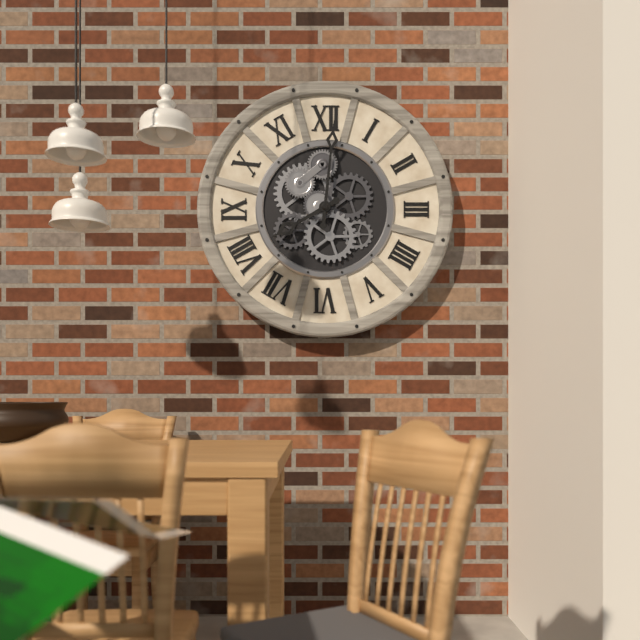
**8:01**
